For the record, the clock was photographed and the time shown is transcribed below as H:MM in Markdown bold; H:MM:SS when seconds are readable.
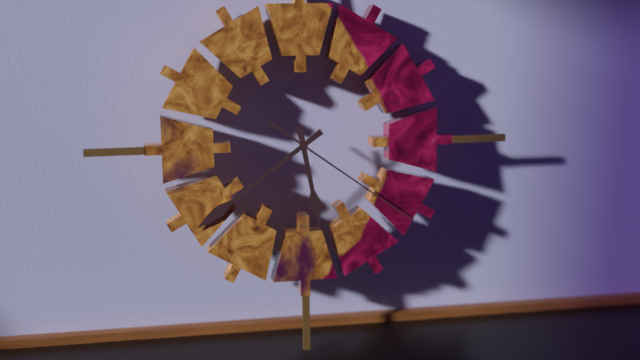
**5:39:21**
